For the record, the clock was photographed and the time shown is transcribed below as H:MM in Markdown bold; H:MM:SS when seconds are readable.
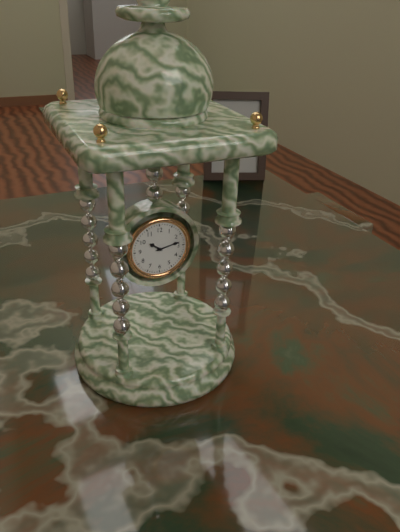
**10:13**
